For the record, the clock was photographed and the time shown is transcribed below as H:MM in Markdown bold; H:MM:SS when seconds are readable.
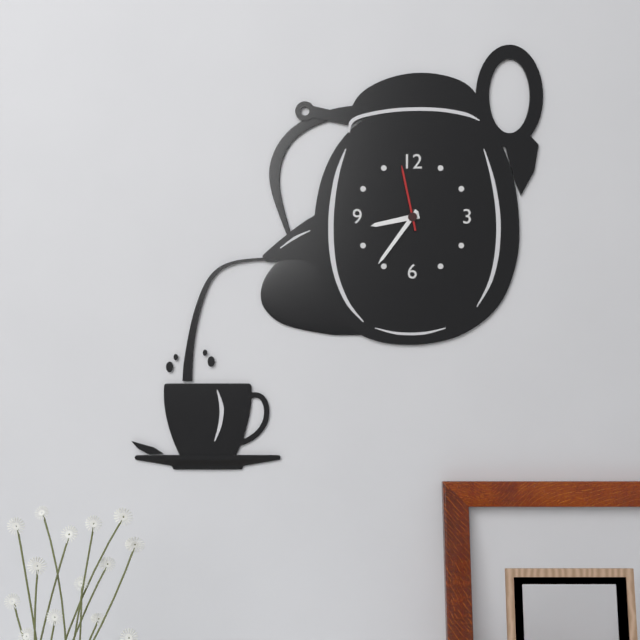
**8:36:58**
